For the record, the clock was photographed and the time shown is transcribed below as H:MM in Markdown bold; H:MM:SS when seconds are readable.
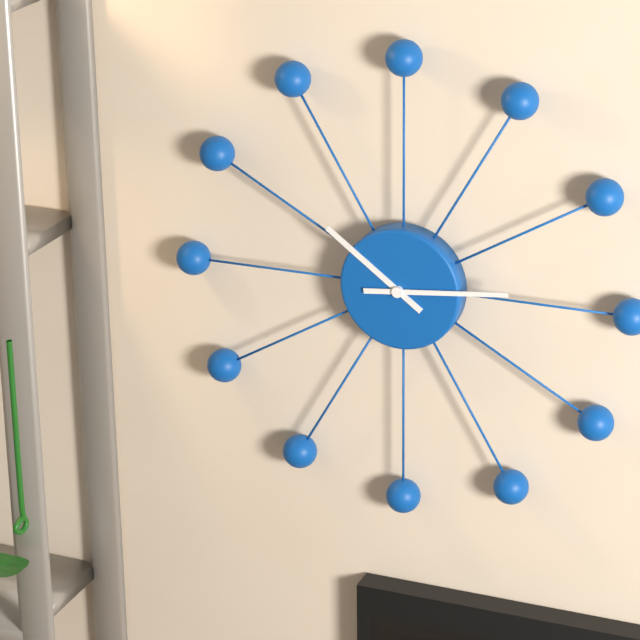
**10:14**
